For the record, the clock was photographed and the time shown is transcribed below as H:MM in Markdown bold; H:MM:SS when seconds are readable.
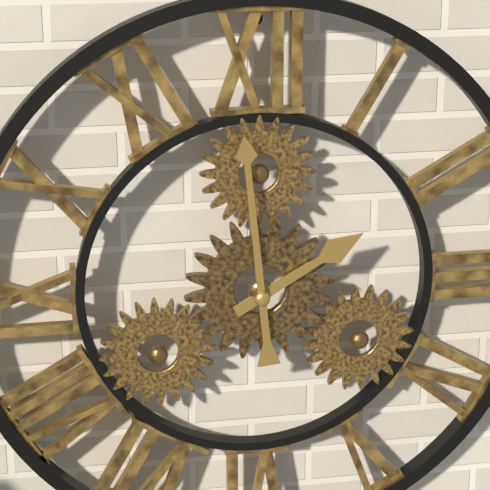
**1:59**
